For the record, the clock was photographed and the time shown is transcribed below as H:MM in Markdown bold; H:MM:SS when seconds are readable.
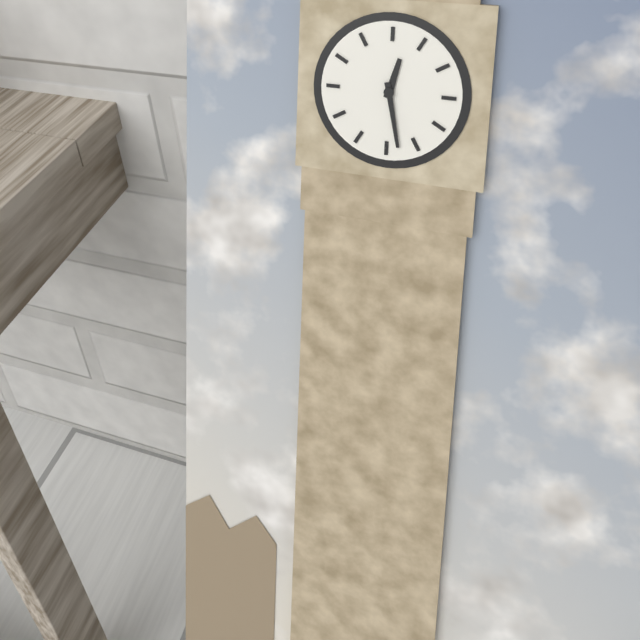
**12:28**
